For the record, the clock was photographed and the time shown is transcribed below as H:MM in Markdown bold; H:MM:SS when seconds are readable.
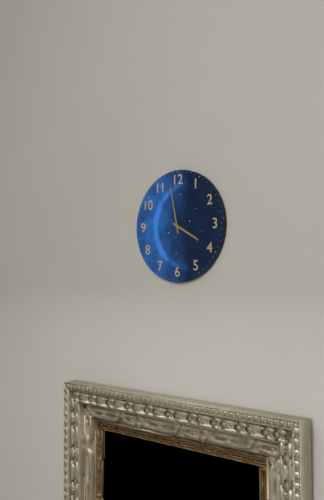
**3:58**
